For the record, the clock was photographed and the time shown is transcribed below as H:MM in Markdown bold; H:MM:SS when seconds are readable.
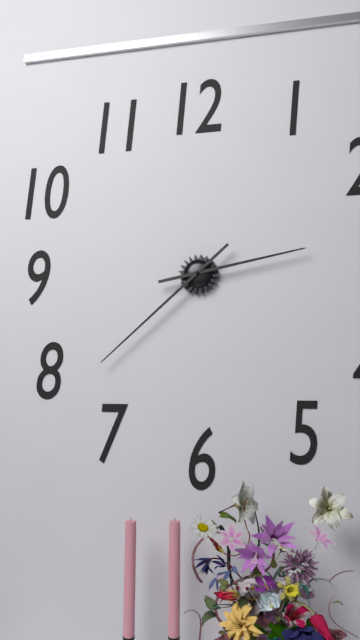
**2:38**
